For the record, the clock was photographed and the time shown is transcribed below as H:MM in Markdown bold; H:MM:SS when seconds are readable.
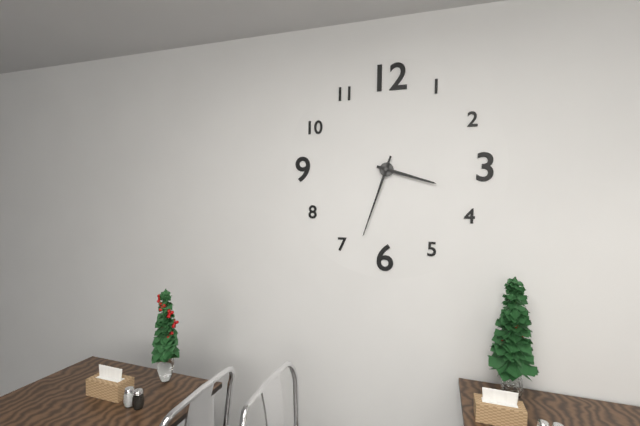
**3:33**
